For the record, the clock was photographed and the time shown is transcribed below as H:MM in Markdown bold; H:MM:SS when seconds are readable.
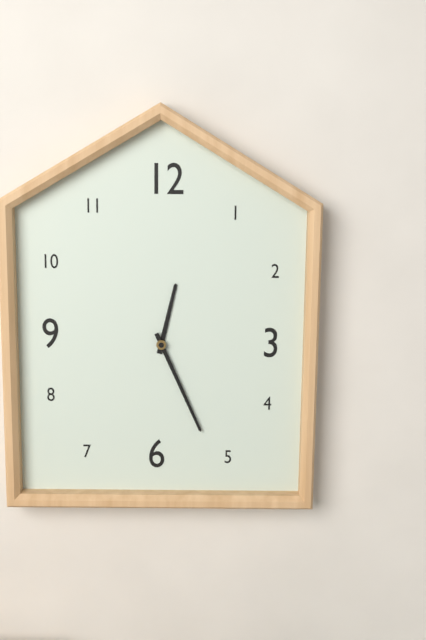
**12:26**
